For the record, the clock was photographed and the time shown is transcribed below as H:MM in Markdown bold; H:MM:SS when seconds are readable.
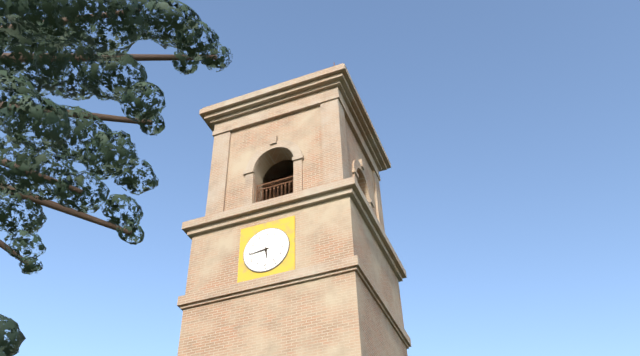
**5:44**
